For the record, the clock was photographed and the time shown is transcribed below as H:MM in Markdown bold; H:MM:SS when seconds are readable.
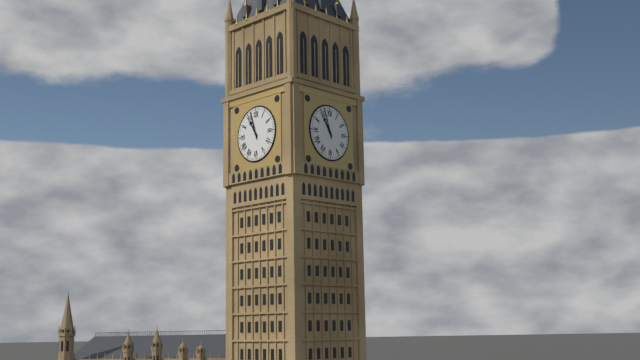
**10:57**
